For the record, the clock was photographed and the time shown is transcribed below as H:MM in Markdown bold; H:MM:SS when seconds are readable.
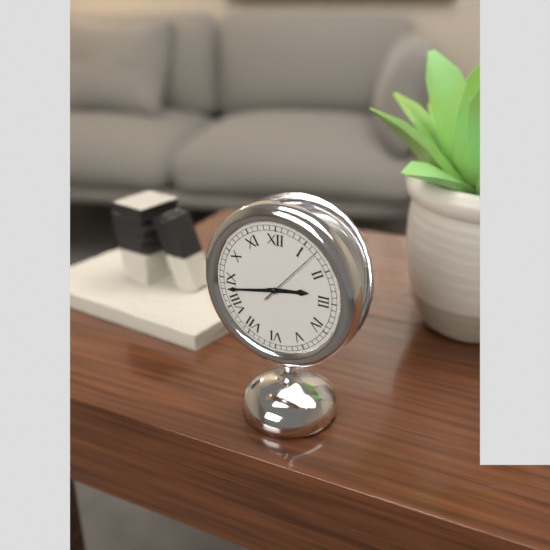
**2:43:07**
